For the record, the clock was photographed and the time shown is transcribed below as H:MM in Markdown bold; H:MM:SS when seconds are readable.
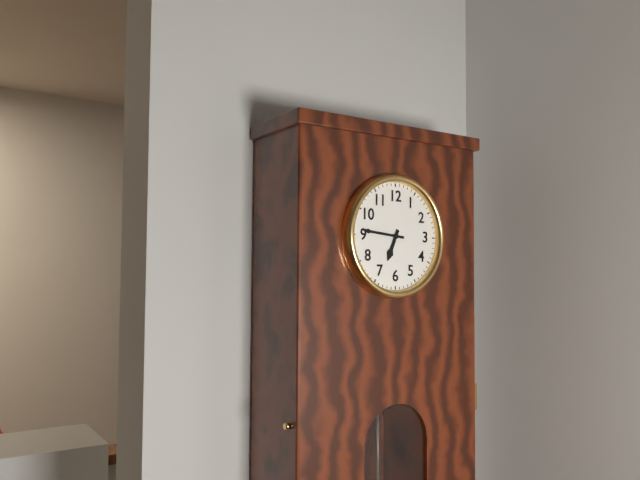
**6:46**
